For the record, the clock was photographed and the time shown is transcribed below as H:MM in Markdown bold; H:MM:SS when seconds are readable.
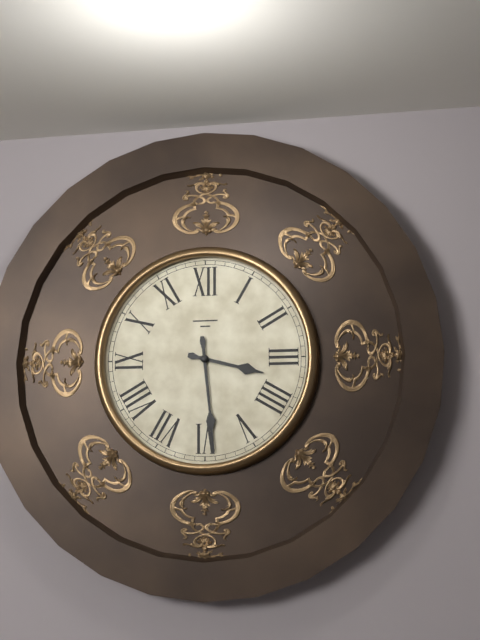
**3:29**
